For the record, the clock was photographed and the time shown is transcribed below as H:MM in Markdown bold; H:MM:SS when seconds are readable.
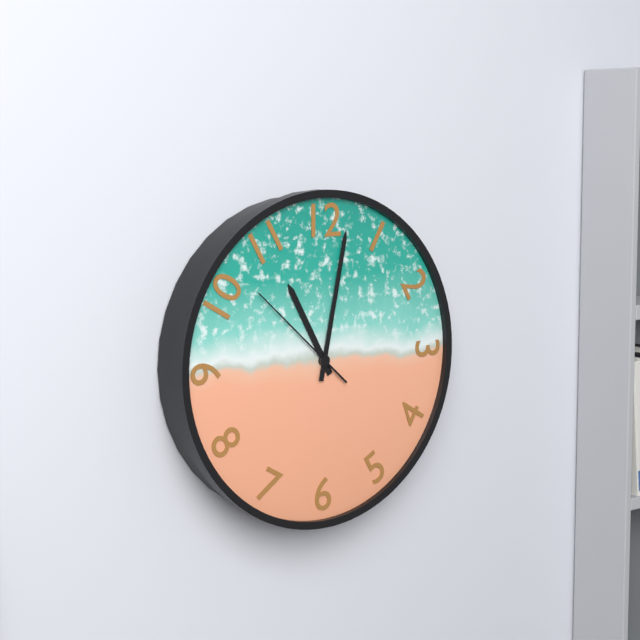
**11:02:52**
